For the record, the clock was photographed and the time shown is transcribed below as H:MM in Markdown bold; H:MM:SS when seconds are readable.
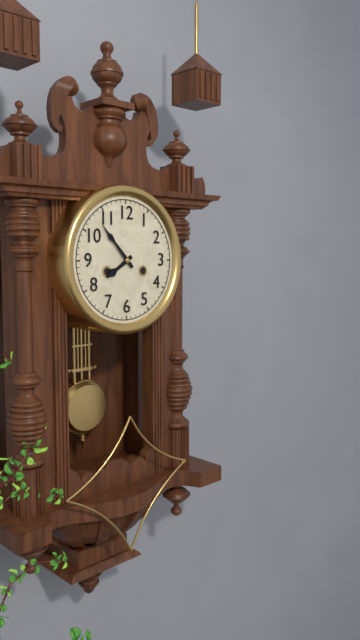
**7:53**
